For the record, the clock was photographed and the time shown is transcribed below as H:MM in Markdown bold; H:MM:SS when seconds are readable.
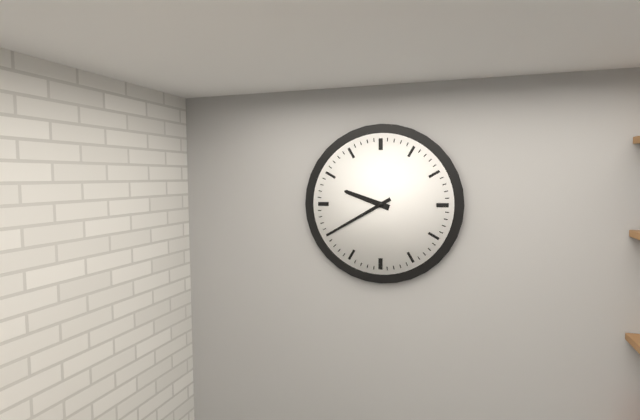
**9:40**
